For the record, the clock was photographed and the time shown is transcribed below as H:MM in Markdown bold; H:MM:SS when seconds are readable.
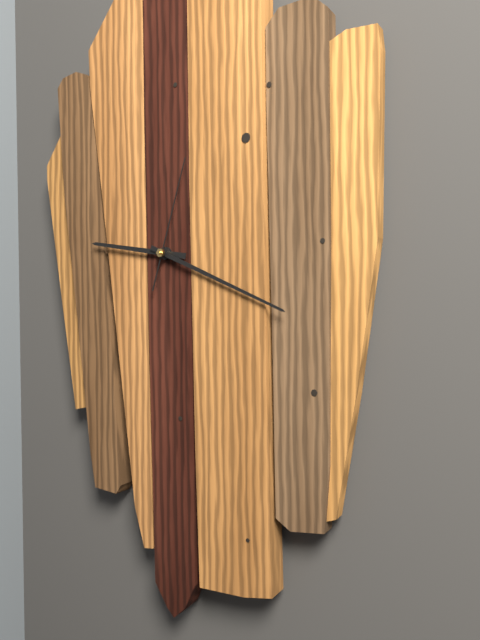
**9:19:03**
